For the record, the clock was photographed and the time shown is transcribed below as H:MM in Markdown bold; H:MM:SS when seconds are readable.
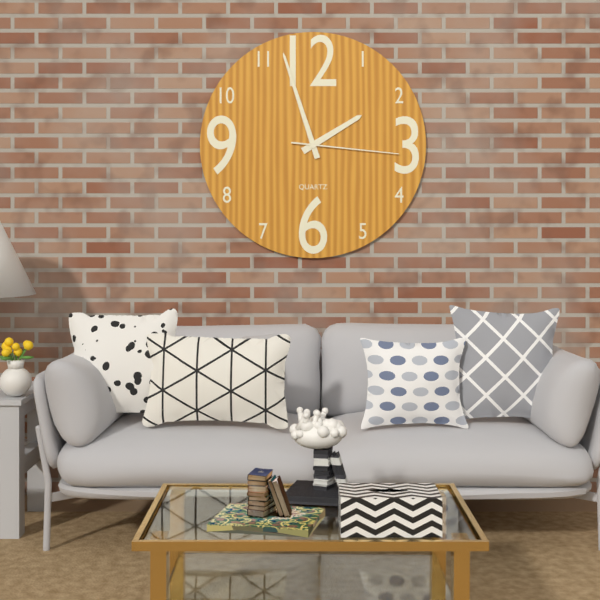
**1:57:16**
